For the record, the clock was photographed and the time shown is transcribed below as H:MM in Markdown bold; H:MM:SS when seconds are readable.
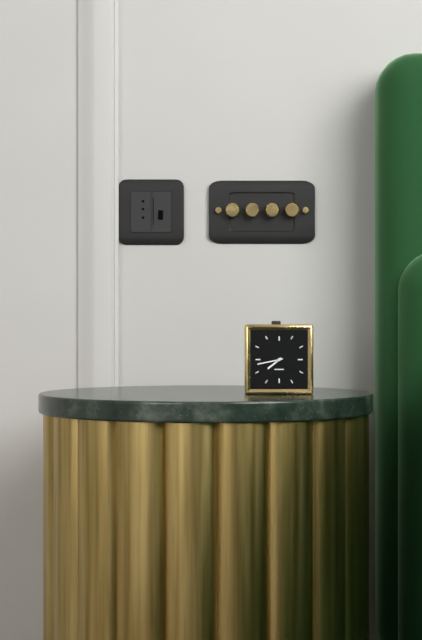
**7:43**
